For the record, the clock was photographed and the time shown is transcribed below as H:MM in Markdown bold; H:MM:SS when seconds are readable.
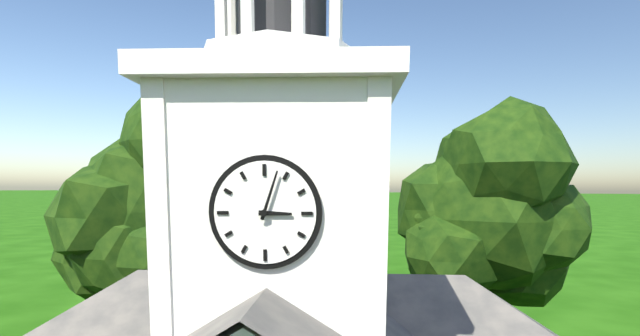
**3:03**
